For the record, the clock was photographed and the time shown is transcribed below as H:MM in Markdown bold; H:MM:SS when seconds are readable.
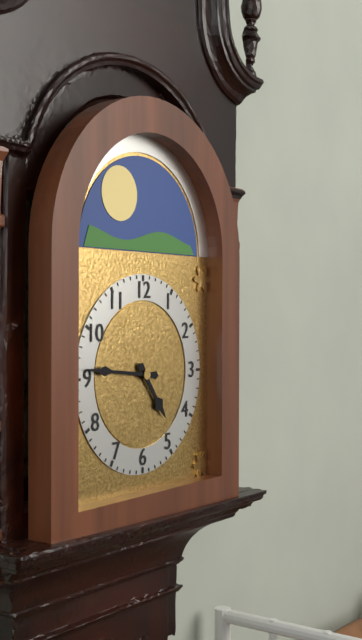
**4:46**
